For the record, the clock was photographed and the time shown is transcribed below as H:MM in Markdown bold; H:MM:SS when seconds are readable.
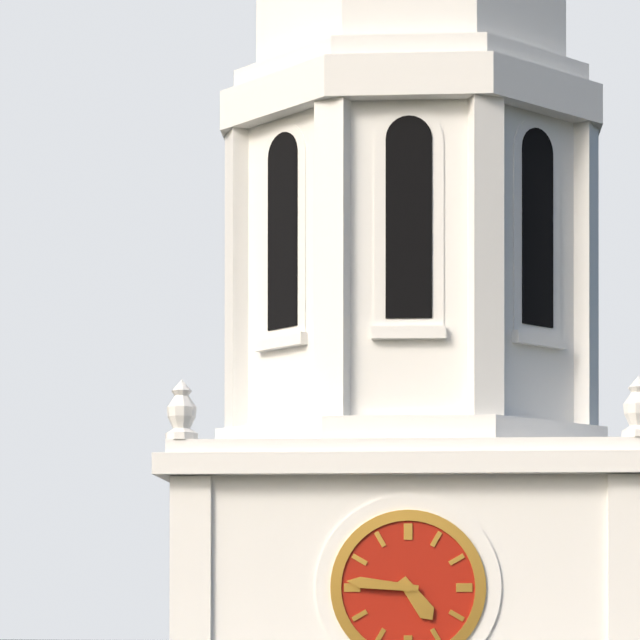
**4:46**
